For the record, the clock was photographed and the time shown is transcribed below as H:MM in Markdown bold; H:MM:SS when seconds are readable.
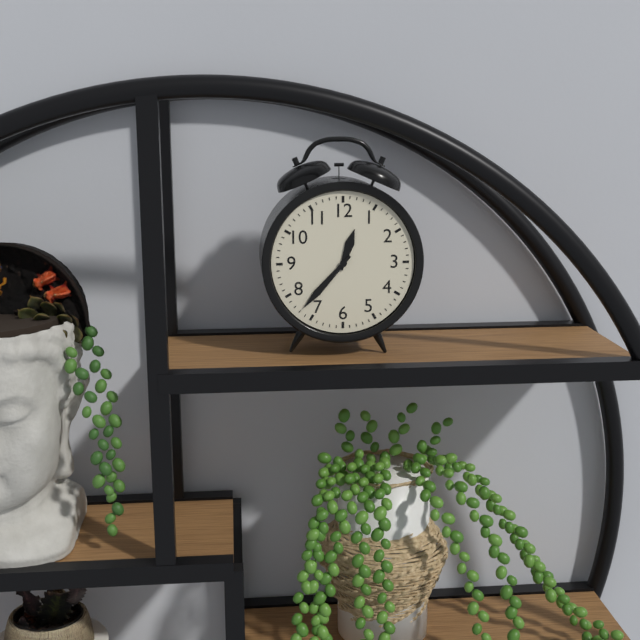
**12:37**
